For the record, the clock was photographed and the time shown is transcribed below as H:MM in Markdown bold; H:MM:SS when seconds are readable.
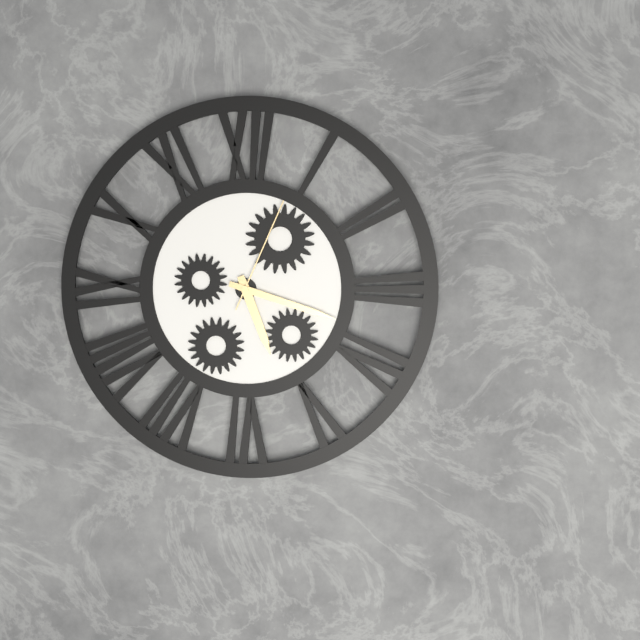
**5:18:04**
